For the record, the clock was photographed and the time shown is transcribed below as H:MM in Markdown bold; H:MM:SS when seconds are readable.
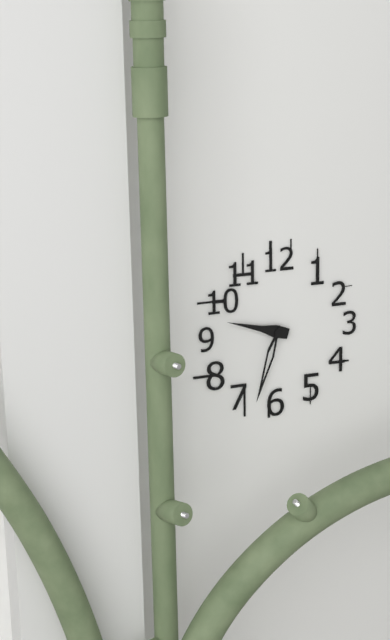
**9:33**
